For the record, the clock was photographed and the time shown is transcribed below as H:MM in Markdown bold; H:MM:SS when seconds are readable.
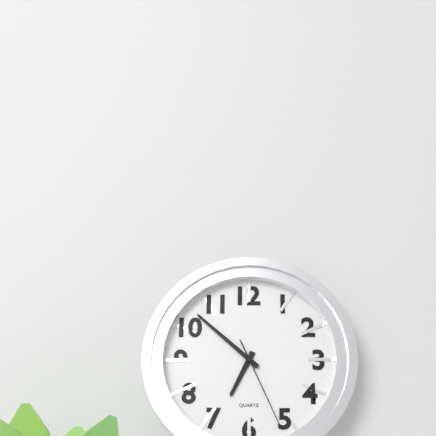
**6:52:26**
